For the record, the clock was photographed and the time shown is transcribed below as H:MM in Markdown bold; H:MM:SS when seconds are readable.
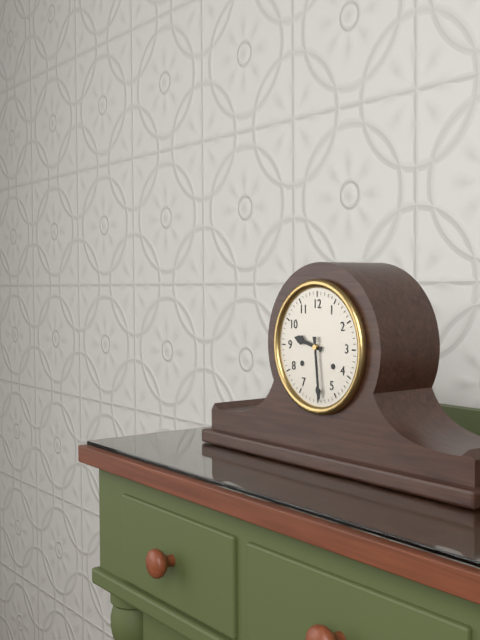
**9:29**
